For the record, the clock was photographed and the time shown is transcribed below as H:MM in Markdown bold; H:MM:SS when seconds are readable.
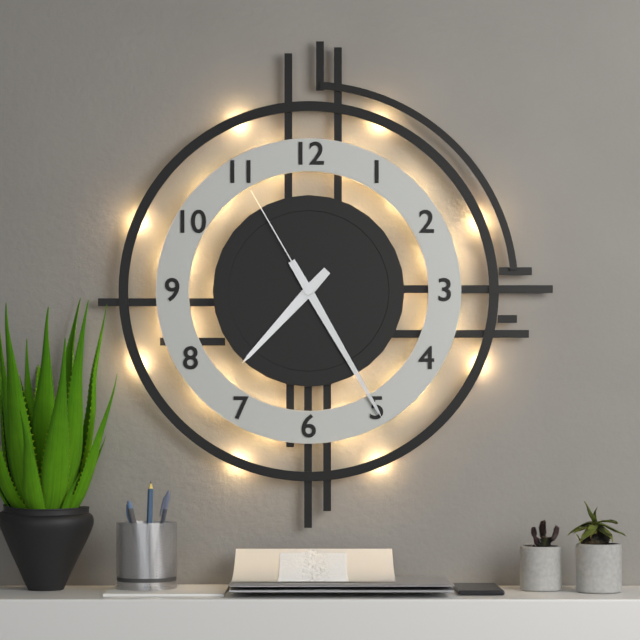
**7:25:55**
